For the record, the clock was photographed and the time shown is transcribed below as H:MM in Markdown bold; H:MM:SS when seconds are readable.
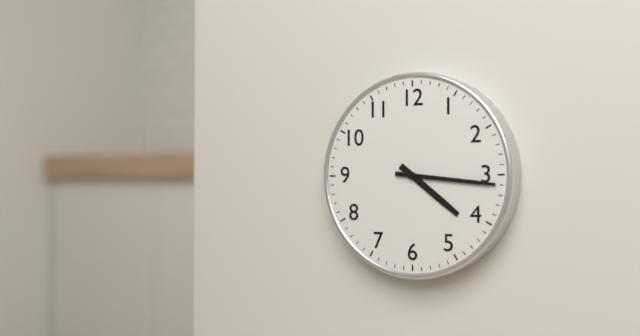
**4:16**
